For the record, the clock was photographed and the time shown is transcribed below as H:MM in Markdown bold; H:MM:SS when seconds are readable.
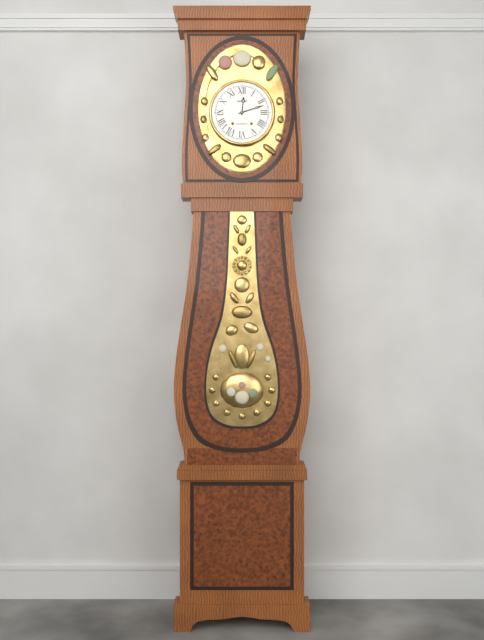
**12:12**
